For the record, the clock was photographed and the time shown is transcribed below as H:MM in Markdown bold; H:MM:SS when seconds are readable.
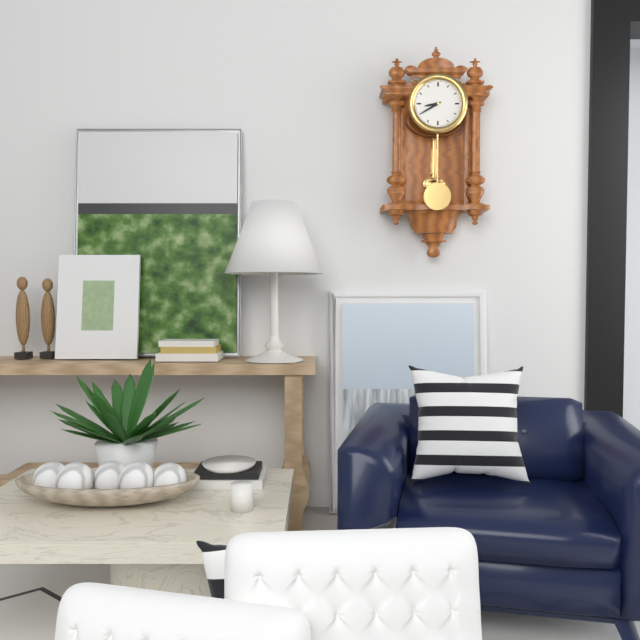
**8:40**
